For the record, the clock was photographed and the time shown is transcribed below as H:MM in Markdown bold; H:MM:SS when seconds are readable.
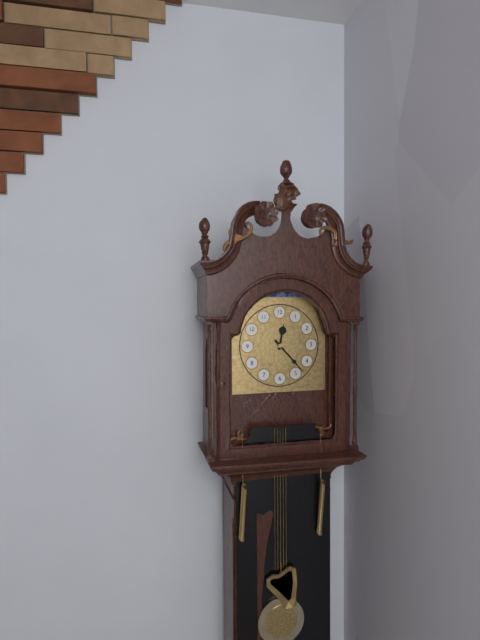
**12:23**
